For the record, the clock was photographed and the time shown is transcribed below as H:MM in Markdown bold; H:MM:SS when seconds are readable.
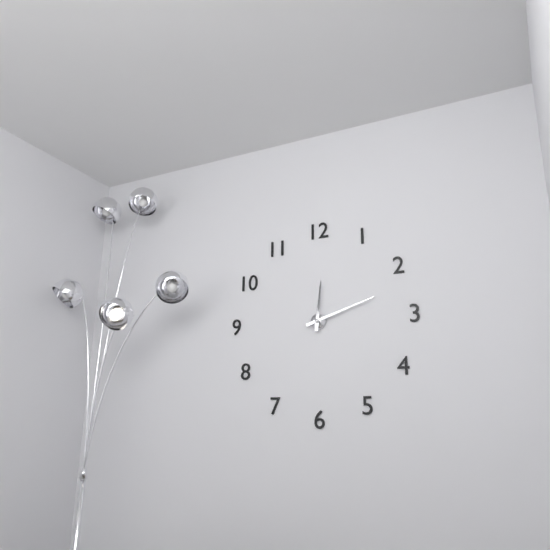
**12:12**
